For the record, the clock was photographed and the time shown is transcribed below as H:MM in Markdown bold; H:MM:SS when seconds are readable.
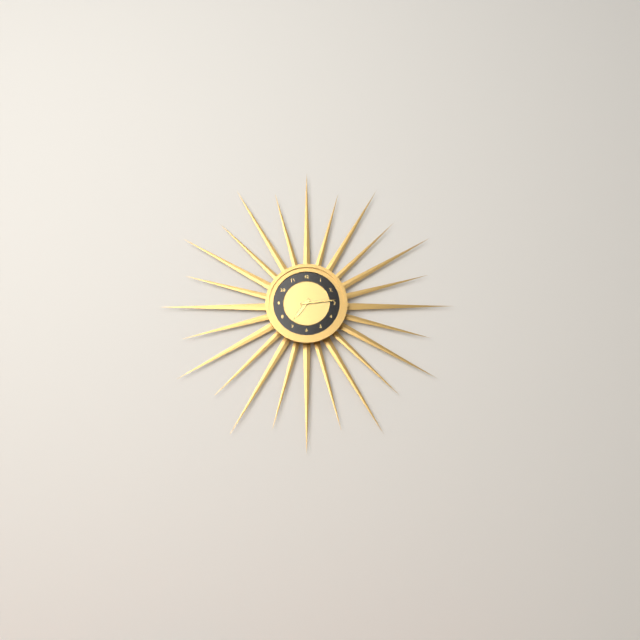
**7:14**
